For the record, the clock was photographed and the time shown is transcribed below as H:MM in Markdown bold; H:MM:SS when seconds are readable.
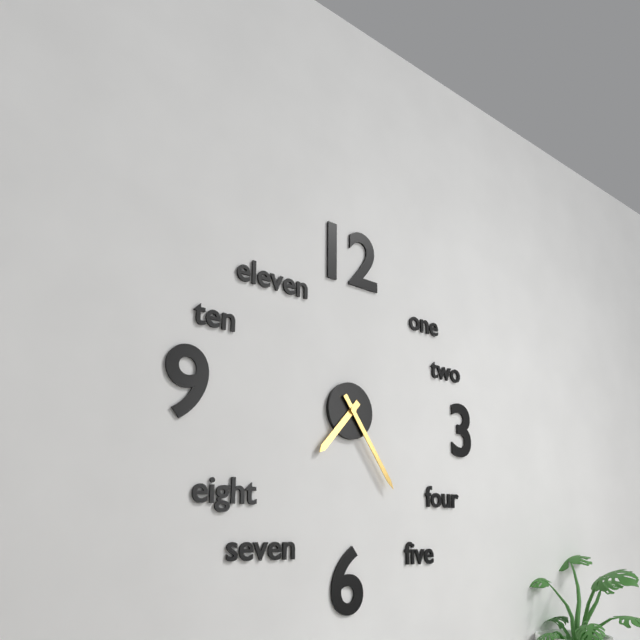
**7:24**
